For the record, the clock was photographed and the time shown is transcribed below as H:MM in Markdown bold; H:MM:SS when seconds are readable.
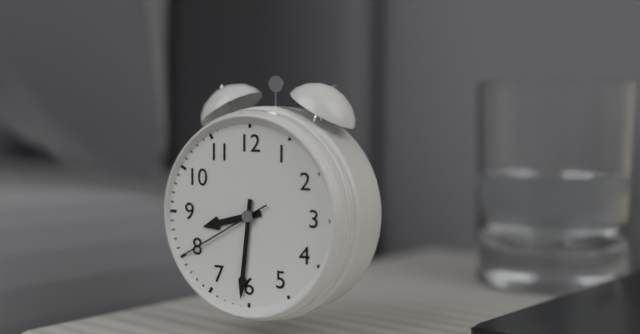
**8:31:40**
